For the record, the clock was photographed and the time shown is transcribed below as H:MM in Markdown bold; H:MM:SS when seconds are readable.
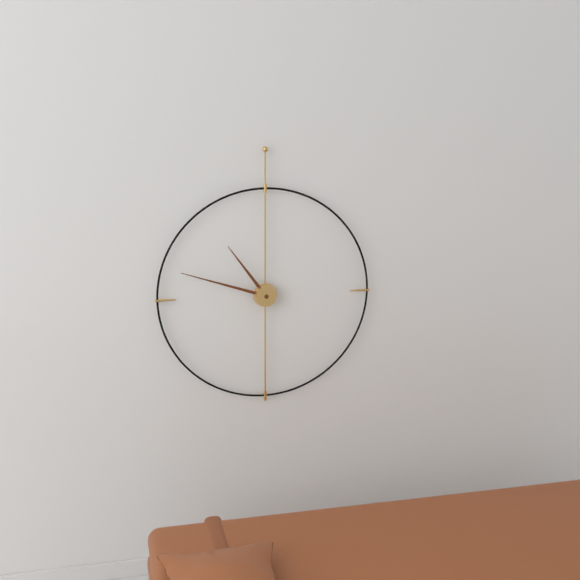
**10:48**
